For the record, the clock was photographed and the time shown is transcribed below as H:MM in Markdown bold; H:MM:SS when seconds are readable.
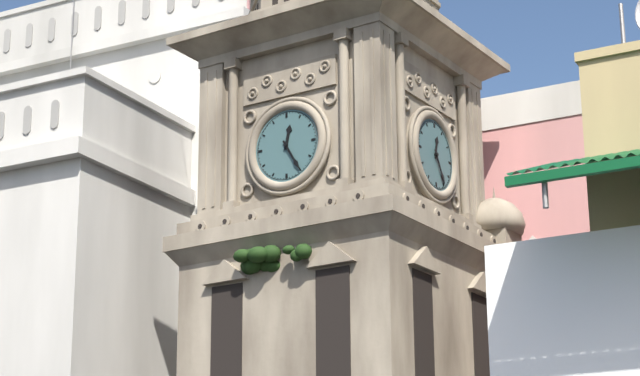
**12:25**
